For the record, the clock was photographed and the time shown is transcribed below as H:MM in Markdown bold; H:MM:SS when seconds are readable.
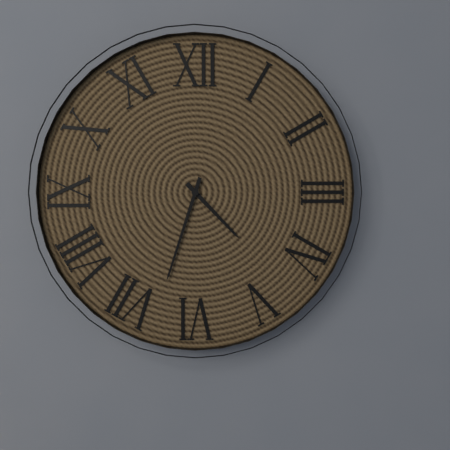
**4:33**
